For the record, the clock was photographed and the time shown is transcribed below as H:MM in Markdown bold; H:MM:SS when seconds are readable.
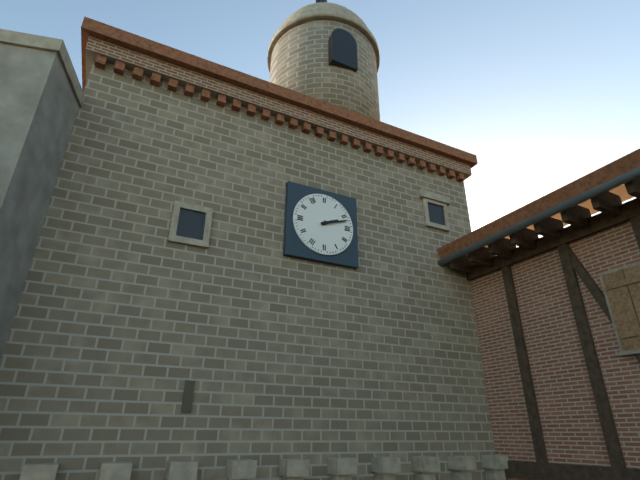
**2:12**
